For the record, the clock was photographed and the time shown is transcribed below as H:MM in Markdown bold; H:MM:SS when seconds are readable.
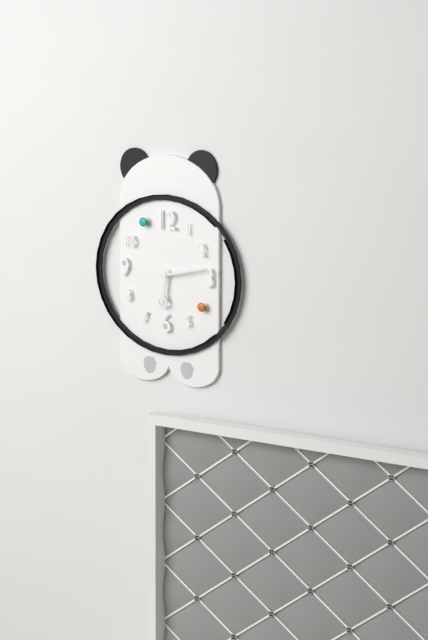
**6:13**
